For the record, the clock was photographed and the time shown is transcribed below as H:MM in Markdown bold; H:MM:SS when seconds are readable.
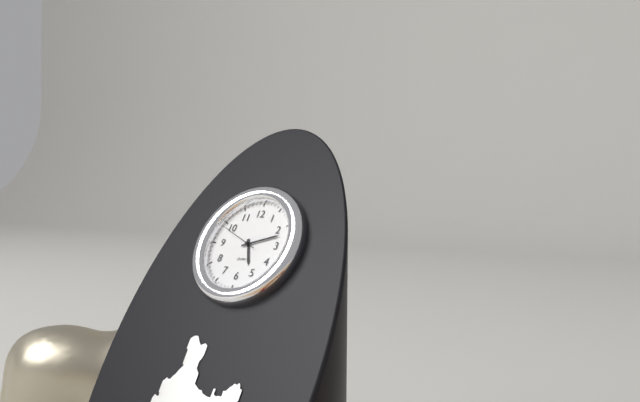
**5:12**
